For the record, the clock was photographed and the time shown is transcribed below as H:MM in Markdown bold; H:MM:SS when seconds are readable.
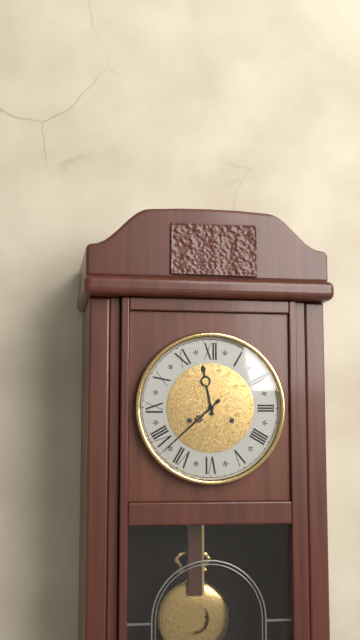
**11:38**
